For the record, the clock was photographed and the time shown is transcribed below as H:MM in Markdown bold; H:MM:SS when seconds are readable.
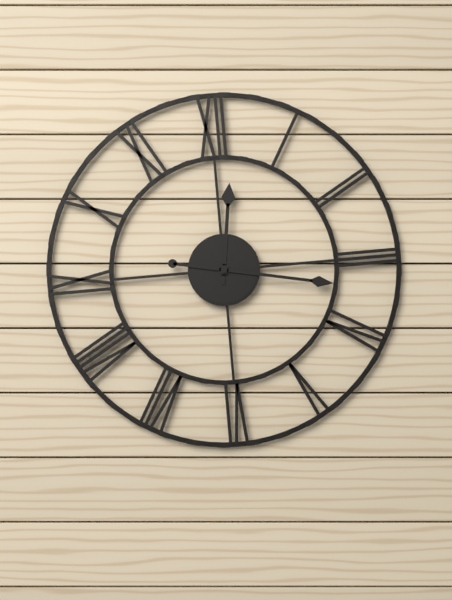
**12:17**
